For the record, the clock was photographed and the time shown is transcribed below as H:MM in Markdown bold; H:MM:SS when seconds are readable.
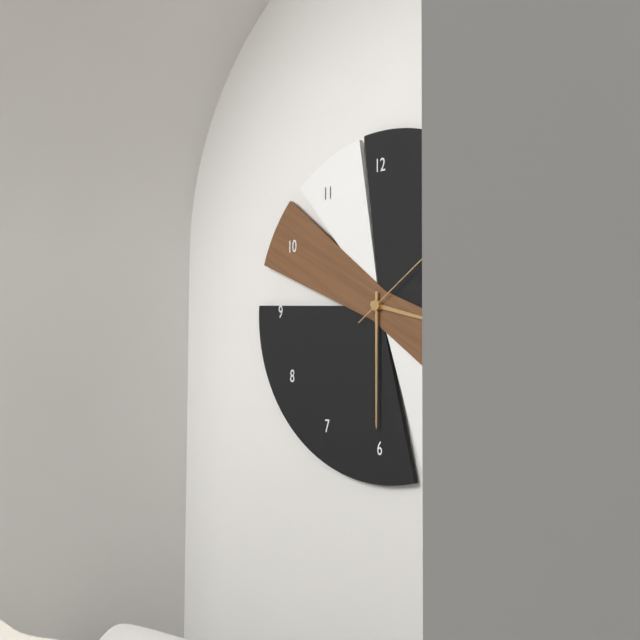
**3:30**
